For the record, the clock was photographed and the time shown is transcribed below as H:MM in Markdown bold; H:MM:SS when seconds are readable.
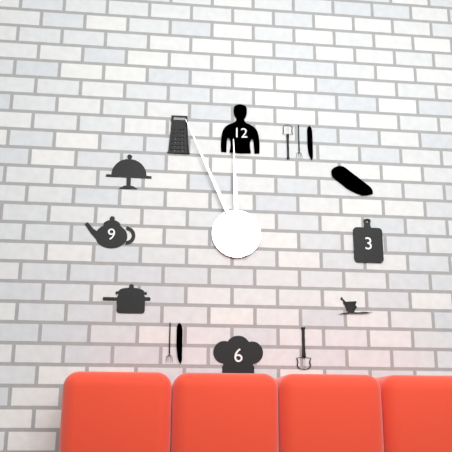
**11:56**
